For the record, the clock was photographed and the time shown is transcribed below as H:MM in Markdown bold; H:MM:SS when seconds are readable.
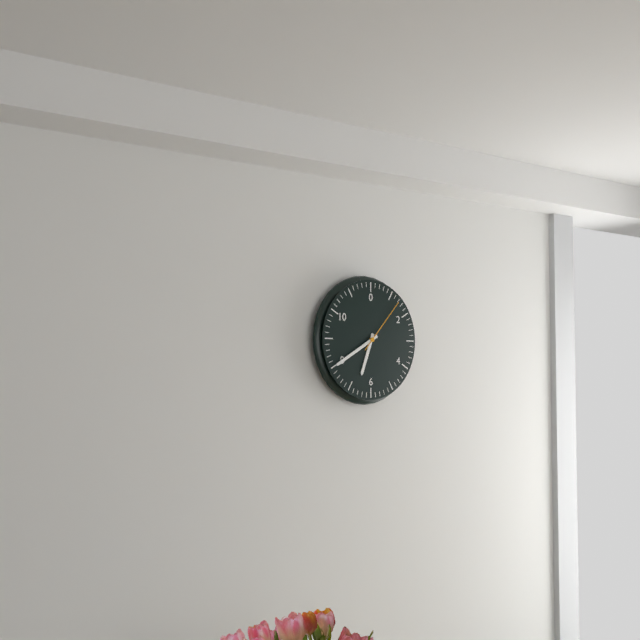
**6:40:07**
